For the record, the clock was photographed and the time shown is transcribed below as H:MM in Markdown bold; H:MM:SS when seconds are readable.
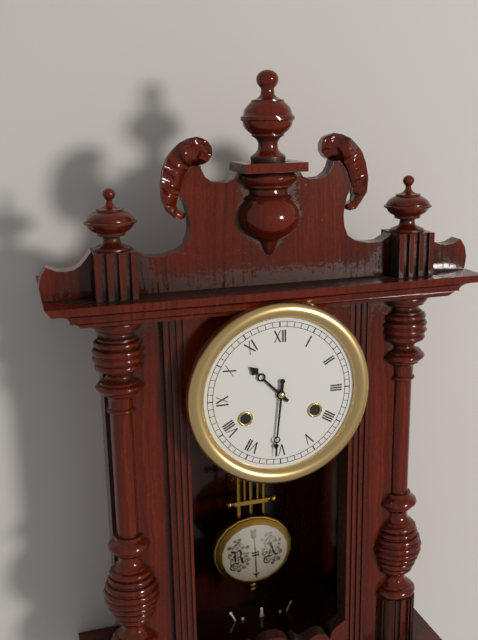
**10:31**
